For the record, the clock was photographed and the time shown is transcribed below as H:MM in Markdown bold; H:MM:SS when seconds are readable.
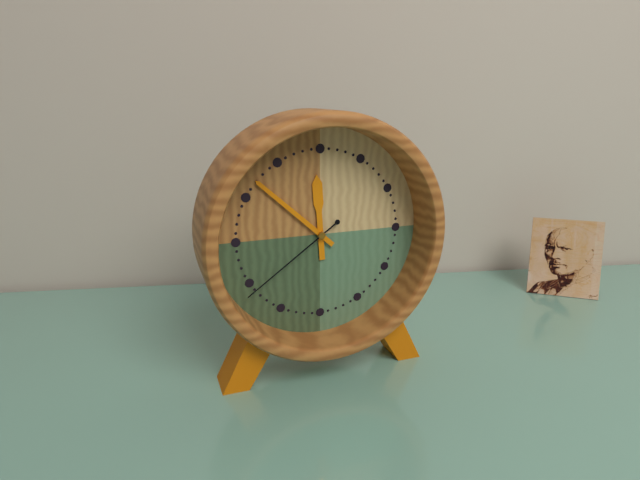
**11:52:39**
